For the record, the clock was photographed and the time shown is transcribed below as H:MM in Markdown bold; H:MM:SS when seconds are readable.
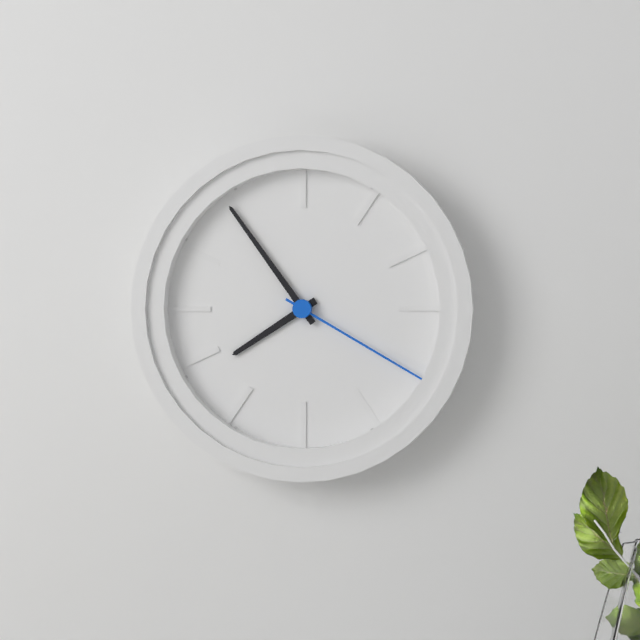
**7:54:20**
